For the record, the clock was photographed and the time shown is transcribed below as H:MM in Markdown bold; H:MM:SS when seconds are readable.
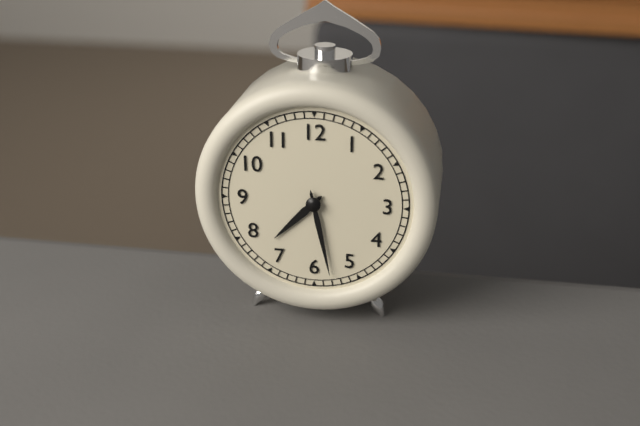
**7:28**
